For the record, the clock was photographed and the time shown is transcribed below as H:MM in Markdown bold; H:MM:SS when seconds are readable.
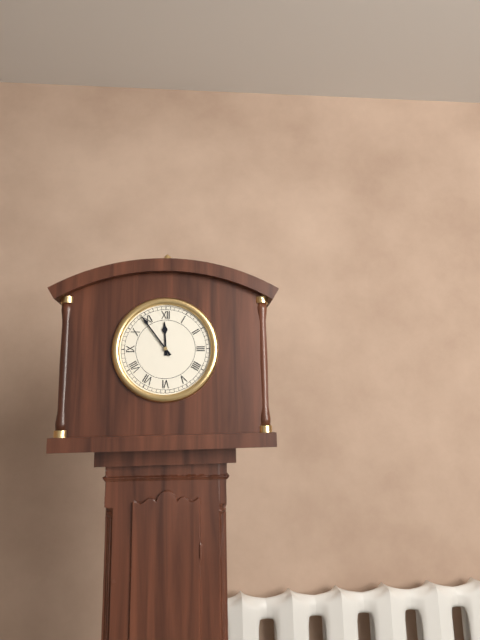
**11:54**
